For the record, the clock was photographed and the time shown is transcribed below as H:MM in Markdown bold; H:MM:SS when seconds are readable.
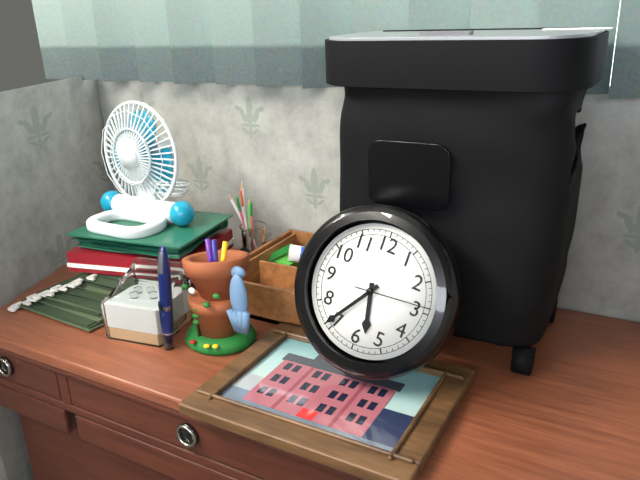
**5:36:14**
